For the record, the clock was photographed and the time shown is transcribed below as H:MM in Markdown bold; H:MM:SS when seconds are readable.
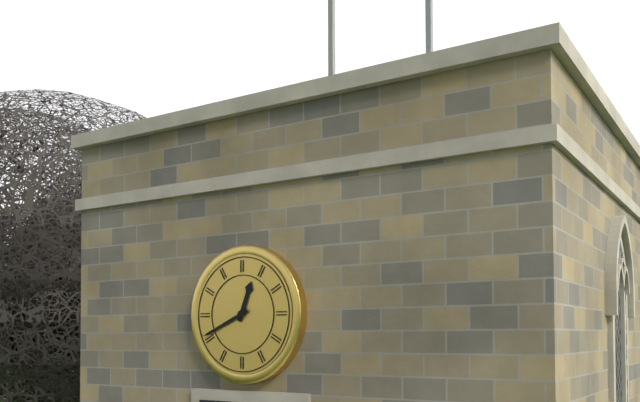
**12:41**
